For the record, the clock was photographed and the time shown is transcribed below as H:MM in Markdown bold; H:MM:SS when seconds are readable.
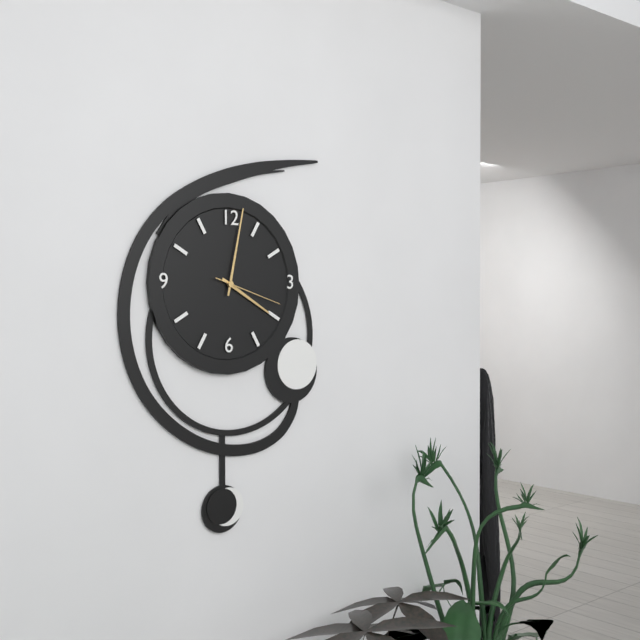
**4:02:18**
